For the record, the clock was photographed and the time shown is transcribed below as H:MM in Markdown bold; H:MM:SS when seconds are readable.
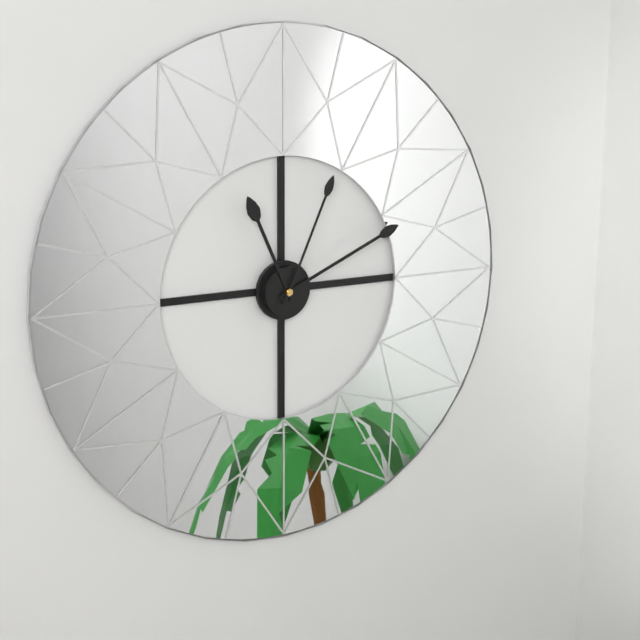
**11:11:04**
